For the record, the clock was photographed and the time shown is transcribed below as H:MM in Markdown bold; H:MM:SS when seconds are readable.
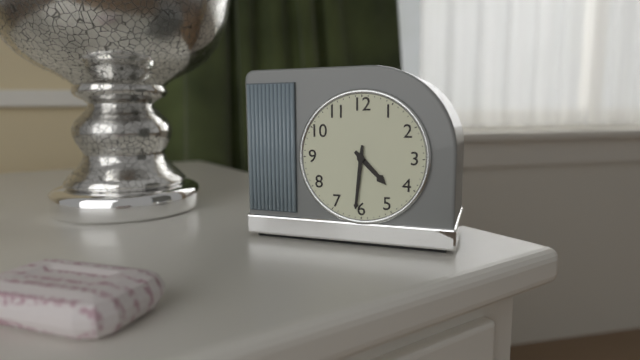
**4:31**
